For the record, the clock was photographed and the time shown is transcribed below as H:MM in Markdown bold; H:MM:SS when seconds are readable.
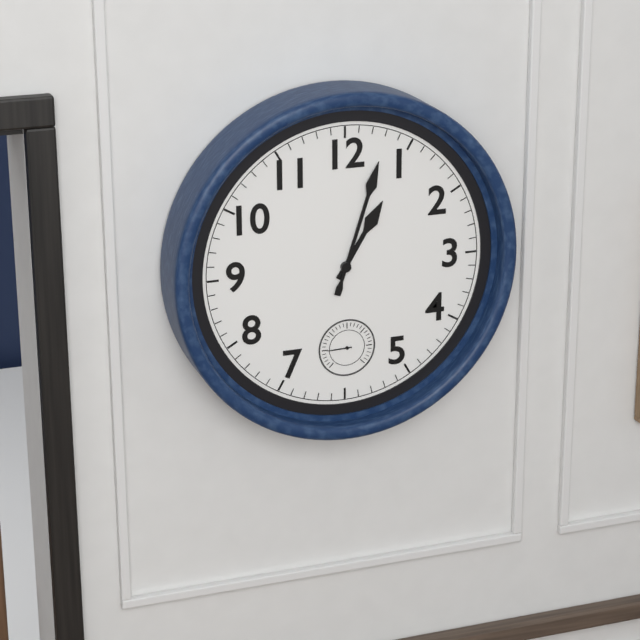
**1:03**
